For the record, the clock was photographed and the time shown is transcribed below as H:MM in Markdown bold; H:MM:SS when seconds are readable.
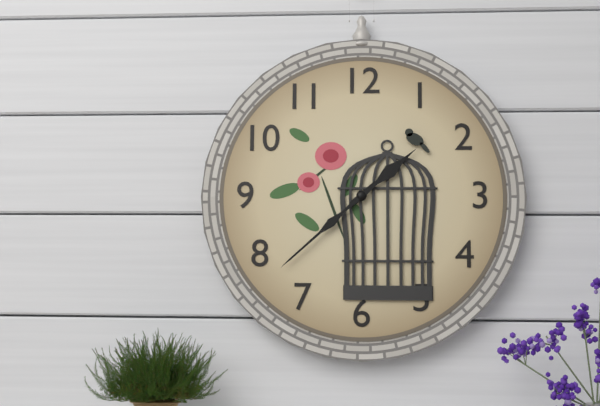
**1:38**
